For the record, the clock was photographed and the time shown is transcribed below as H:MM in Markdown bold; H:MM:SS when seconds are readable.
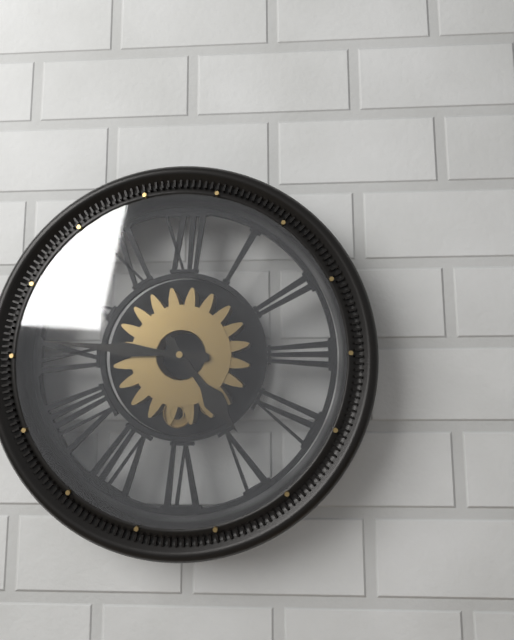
**4:46**
